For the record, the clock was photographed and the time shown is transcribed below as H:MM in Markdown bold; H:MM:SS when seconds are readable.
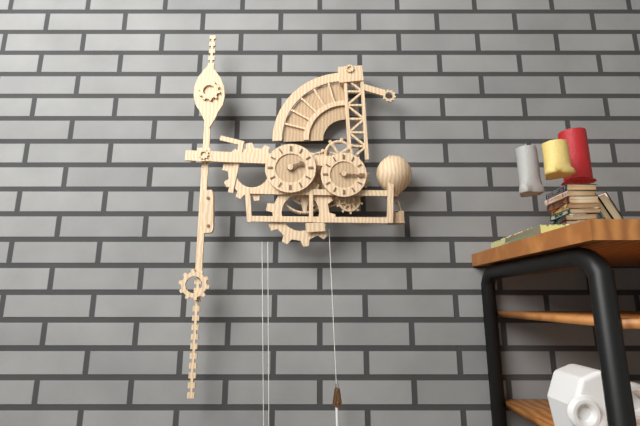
**2:16**
